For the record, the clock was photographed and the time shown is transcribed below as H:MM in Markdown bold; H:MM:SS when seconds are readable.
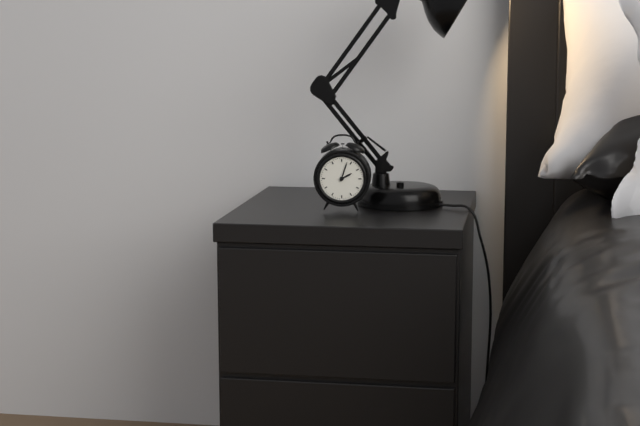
**2:03**
